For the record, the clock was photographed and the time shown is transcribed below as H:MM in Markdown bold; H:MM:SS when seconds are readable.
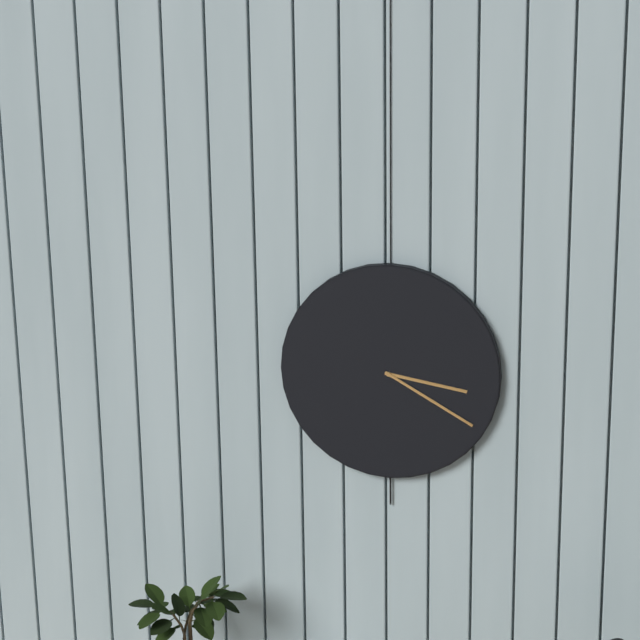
**3:20**
